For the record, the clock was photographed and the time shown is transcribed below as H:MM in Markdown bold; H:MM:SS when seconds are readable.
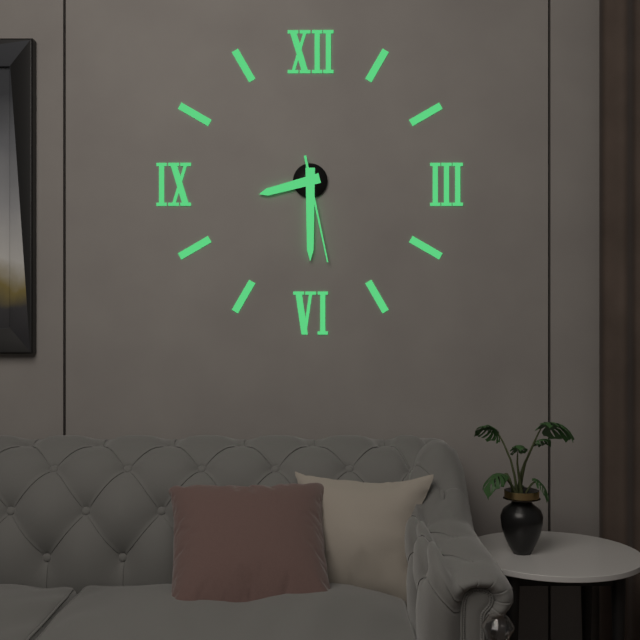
**8:30:28**
